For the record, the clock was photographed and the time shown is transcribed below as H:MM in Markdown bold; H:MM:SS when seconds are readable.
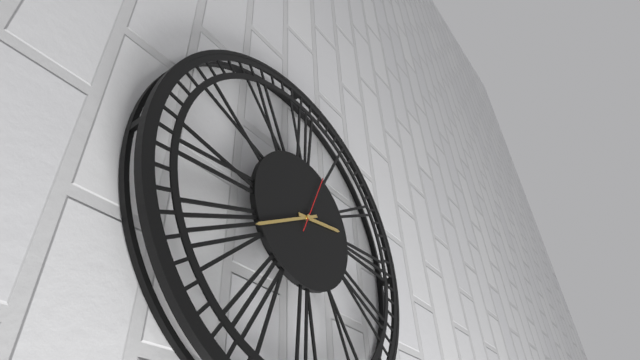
**2:40:04**
